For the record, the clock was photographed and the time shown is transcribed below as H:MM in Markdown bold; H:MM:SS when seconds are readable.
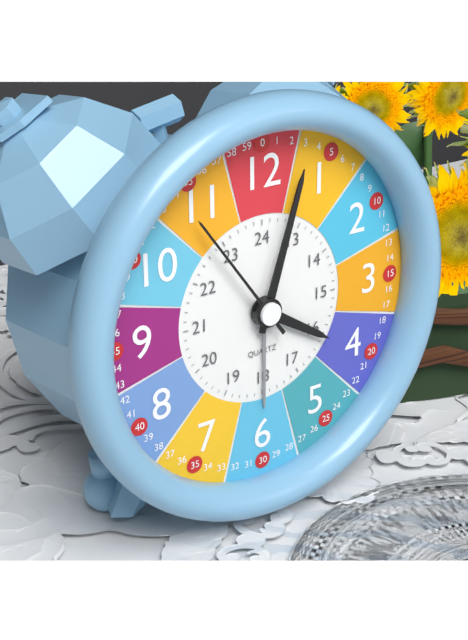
**4:03:54**
